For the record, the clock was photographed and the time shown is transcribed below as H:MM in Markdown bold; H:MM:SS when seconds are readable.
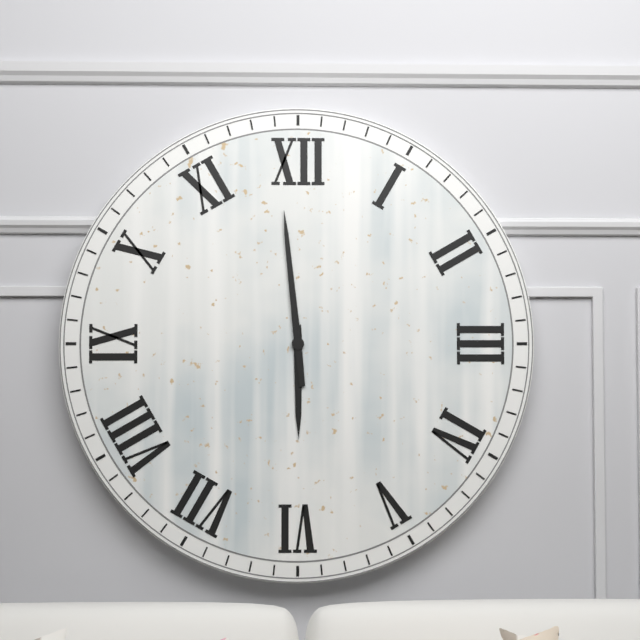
**5:59**
